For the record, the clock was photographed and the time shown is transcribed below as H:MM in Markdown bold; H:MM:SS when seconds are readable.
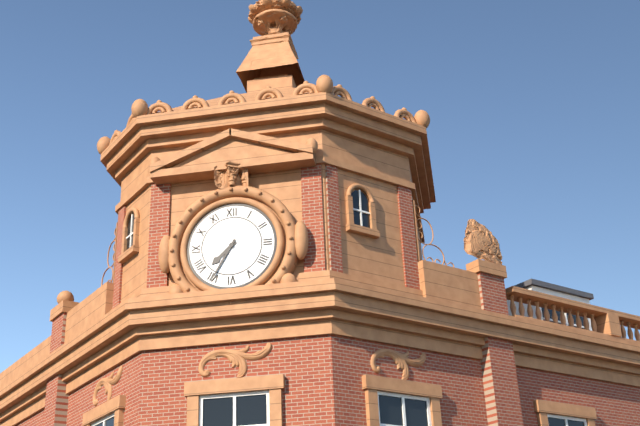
**7:35**
